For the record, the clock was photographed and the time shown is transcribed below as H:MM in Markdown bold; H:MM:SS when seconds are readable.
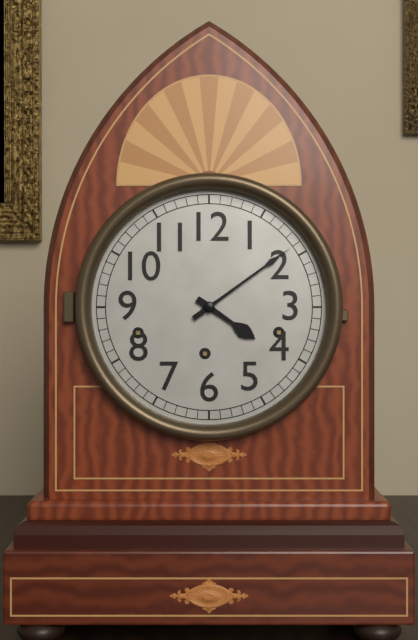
**4:09**
